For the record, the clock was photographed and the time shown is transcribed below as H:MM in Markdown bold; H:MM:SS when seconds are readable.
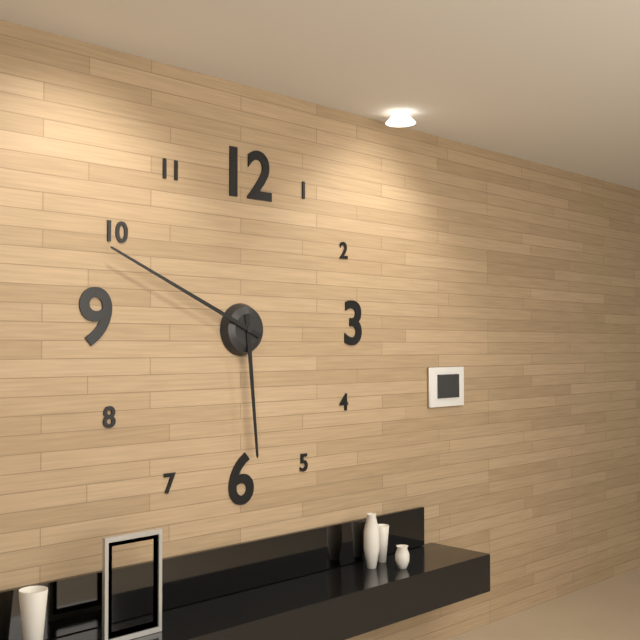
**5:49**
